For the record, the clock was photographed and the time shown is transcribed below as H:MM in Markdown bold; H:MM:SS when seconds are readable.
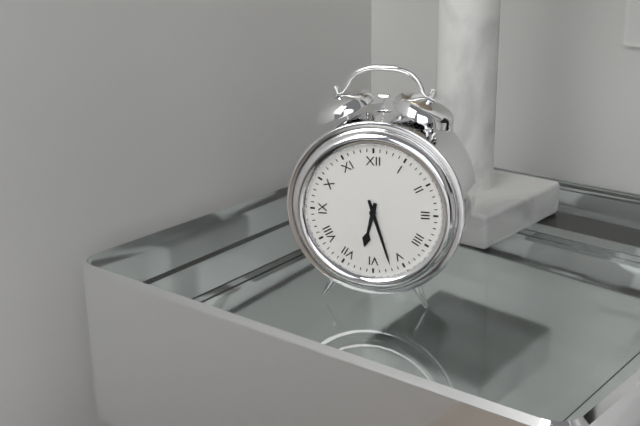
**6:27**
